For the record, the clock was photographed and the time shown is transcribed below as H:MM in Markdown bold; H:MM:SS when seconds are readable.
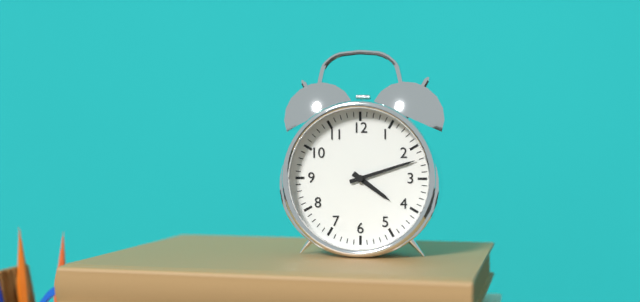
**4:12**
